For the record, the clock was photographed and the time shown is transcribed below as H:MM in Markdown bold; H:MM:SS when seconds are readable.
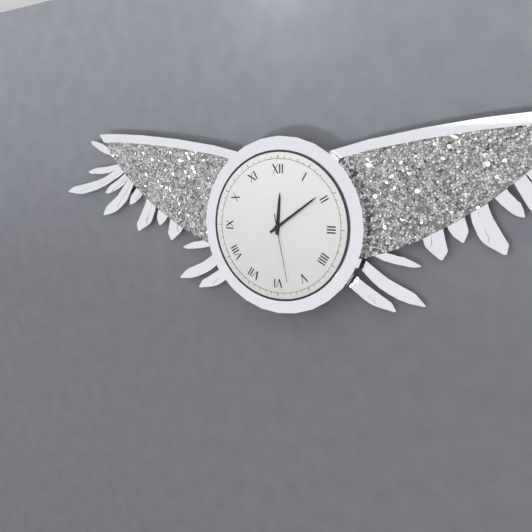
**12:09:28**
